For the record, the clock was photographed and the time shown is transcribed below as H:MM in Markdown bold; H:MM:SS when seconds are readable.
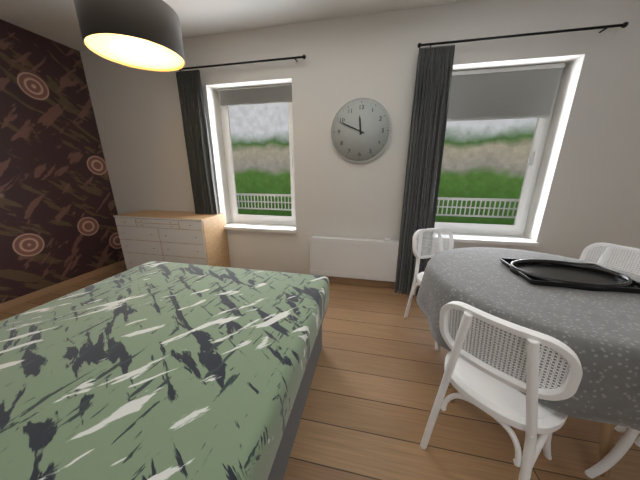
**11:49**
